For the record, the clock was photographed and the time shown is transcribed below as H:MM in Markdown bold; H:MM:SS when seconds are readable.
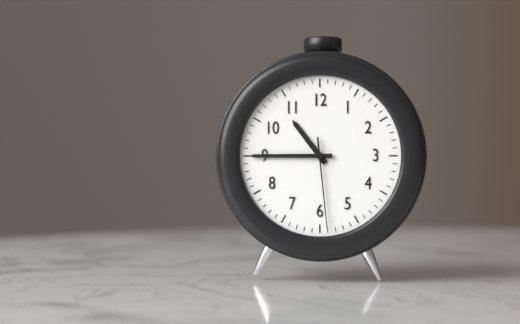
**10:45:29**
